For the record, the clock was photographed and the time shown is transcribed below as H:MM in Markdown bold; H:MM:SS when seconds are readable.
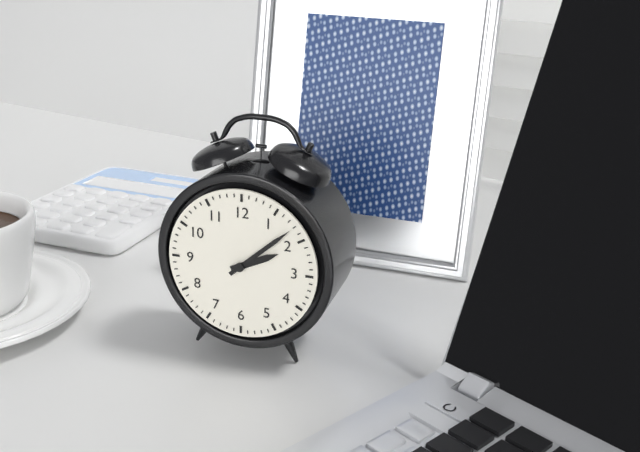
**2:08**
